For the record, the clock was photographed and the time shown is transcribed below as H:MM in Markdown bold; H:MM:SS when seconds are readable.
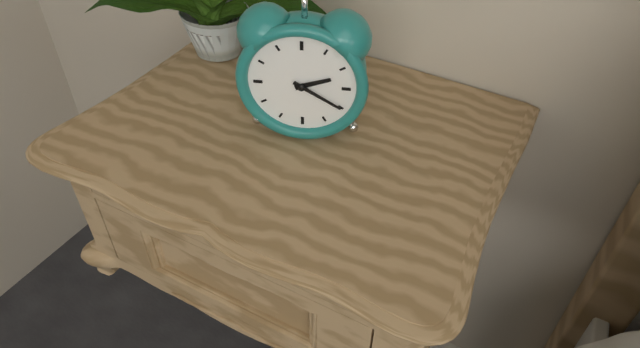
**2:20**
